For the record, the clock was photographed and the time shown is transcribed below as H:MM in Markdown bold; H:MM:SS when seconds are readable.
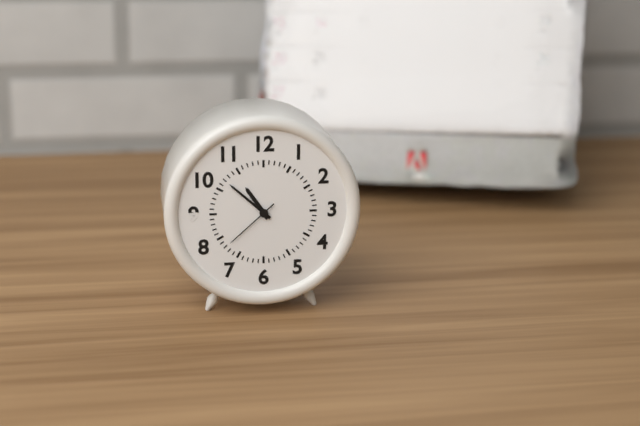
**10:52:38**
